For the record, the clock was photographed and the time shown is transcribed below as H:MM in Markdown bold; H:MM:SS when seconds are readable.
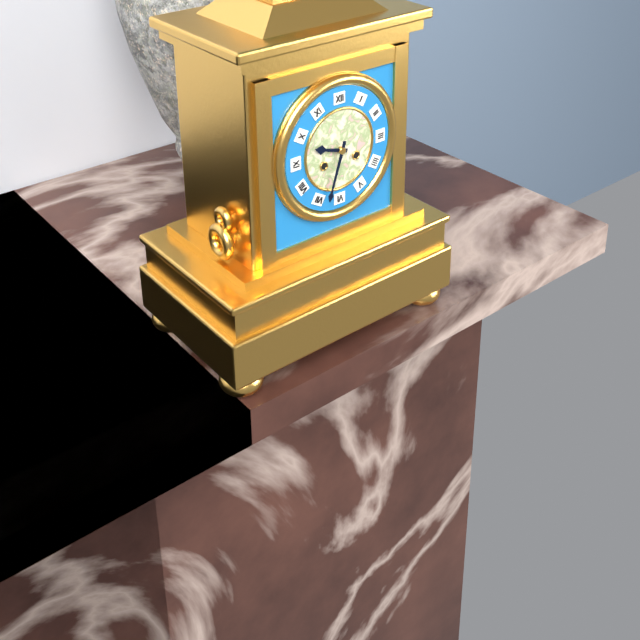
**9:33**
